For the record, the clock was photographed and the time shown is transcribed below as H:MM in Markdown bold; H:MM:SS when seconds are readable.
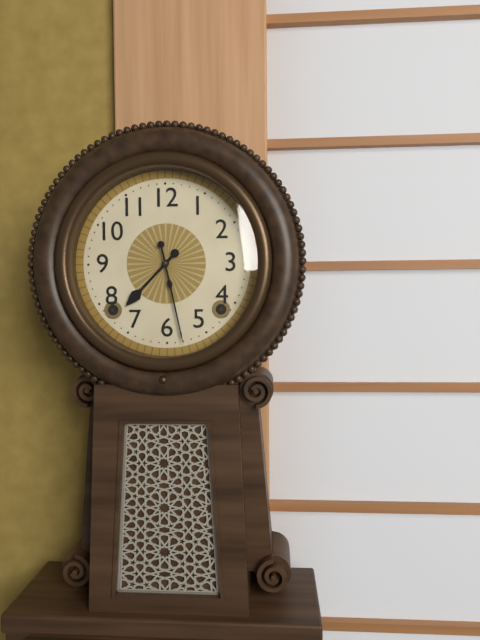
**7:28**
